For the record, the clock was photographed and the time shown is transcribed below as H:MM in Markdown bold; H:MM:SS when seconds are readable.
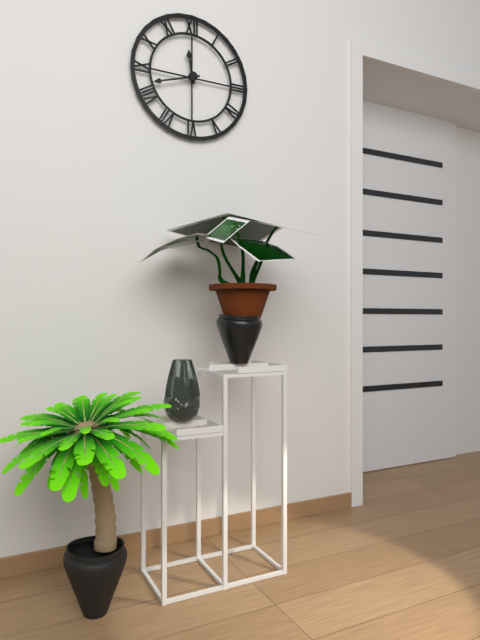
**11:42**
